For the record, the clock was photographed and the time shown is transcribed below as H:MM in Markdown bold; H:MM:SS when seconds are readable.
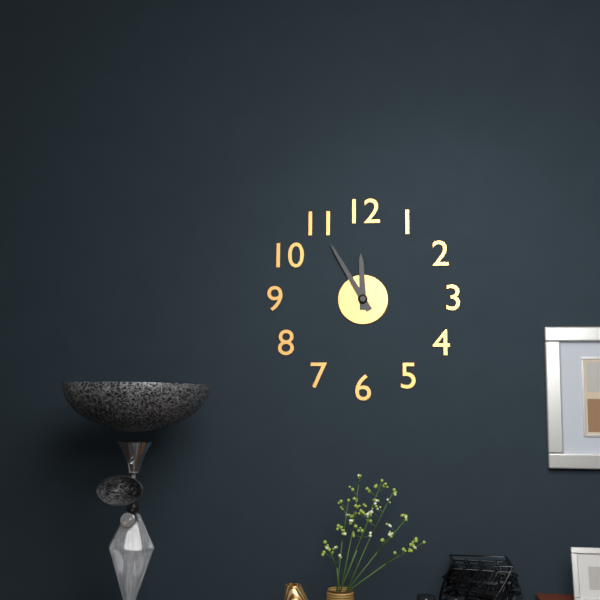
**11:55**
